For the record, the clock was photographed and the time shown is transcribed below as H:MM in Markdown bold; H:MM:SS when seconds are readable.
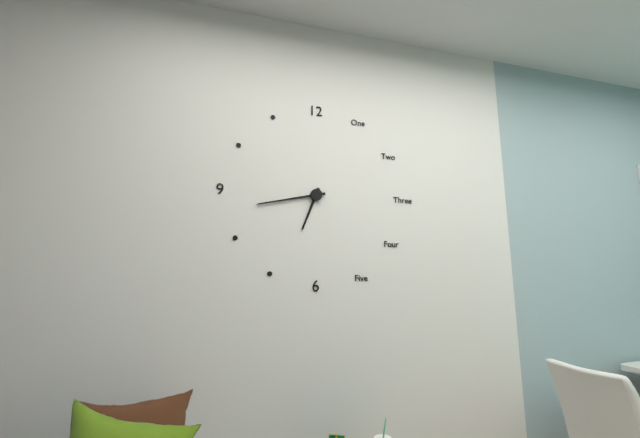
**6:43**
